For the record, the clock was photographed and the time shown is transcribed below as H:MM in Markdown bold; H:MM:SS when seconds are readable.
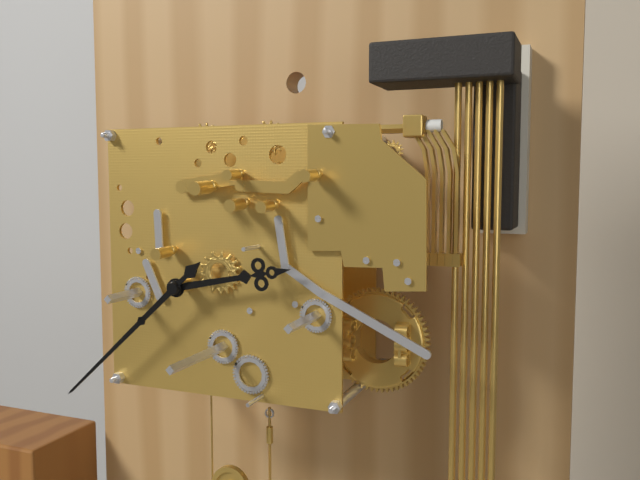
**2:38**
